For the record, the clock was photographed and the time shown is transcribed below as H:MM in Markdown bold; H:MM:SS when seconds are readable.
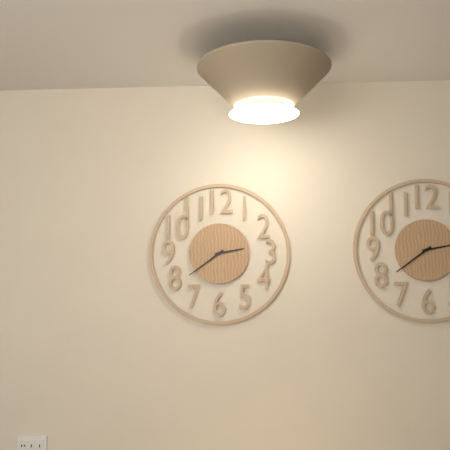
**2:39**
